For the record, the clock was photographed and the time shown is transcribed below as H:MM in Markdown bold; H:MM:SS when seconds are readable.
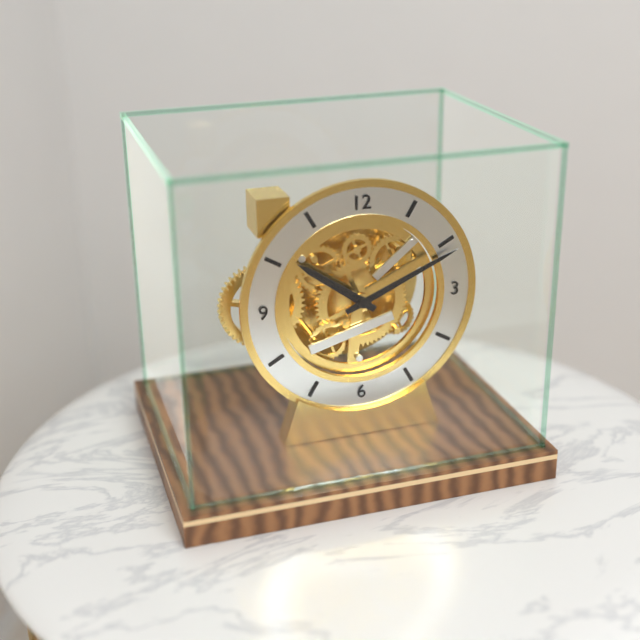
**10:11**
